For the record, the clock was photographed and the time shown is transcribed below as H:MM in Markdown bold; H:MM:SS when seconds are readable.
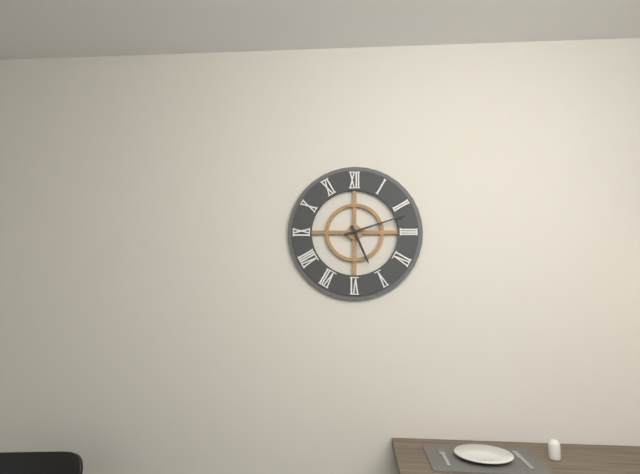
**5:12**
